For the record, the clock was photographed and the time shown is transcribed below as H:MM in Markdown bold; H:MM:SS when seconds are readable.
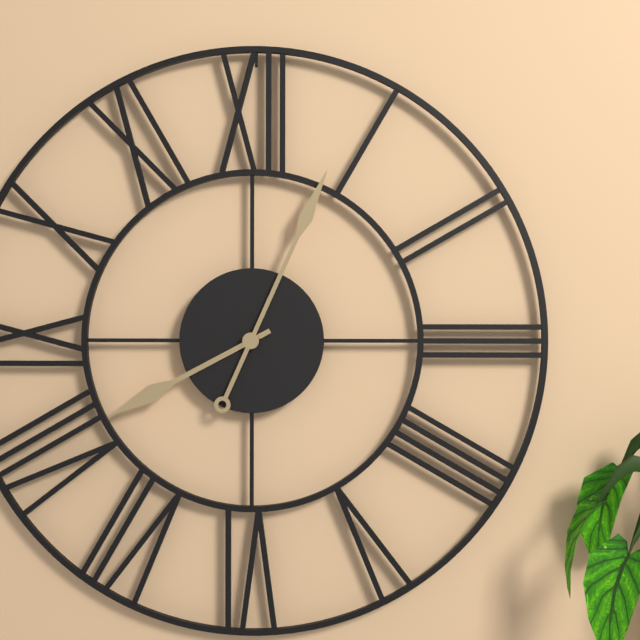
**8:04**
